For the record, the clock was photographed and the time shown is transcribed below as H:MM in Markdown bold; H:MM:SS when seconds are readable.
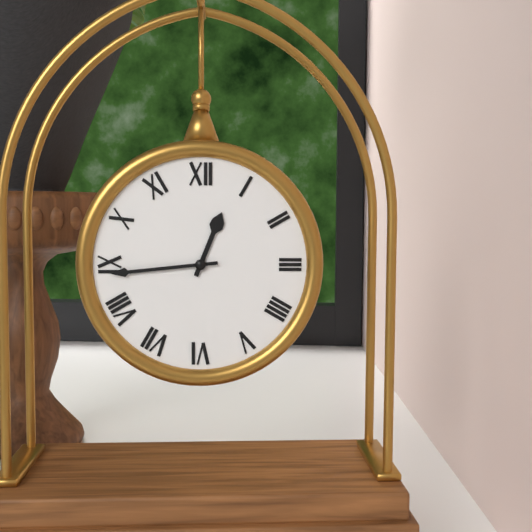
**12:44**
